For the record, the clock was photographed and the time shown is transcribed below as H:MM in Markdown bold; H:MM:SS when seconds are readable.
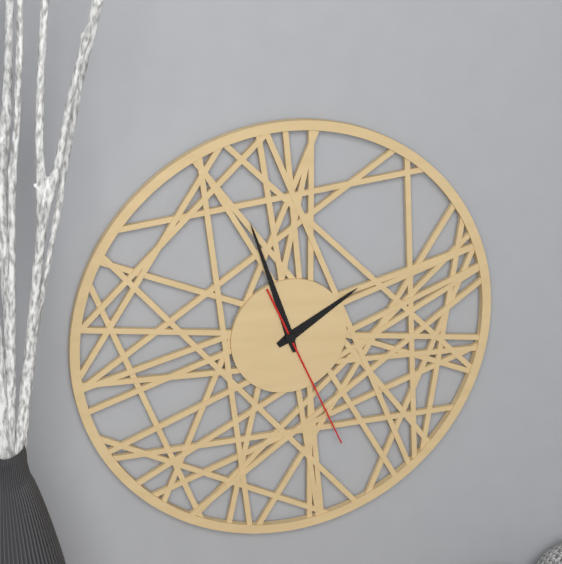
**1:57:26**
